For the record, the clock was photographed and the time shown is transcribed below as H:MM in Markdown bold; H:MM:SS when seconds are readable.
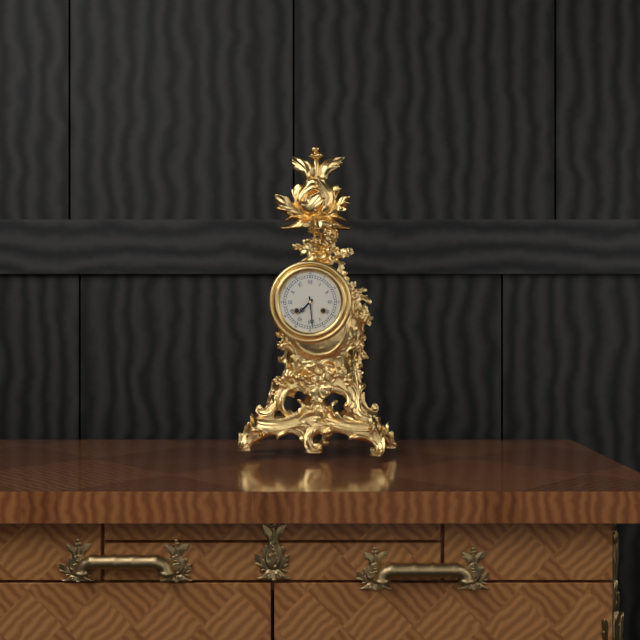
**7:29**
